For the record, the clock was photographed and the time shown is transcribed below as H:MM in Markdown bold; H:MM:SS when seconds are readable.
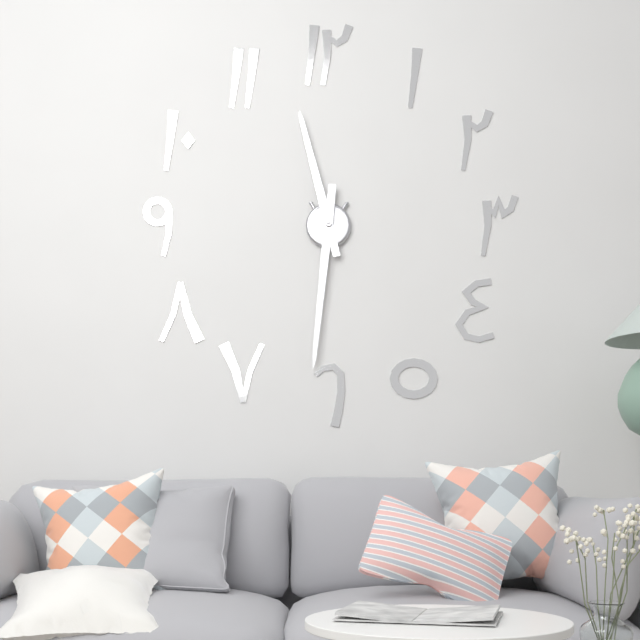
**11:31**
